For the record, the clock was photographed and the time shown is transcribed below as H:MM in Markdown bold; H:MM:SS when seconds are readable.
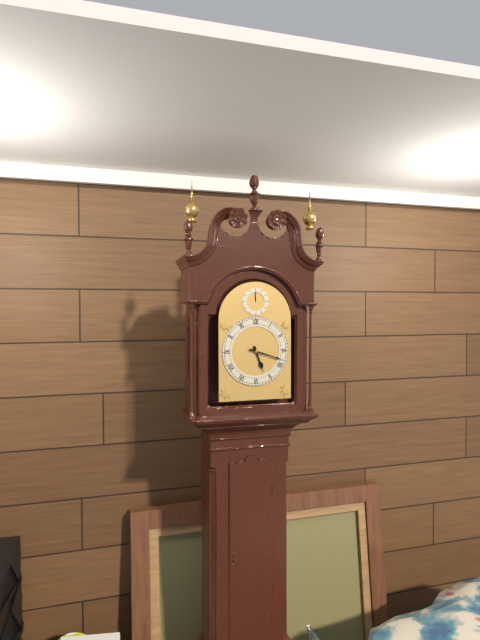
**5:18**
